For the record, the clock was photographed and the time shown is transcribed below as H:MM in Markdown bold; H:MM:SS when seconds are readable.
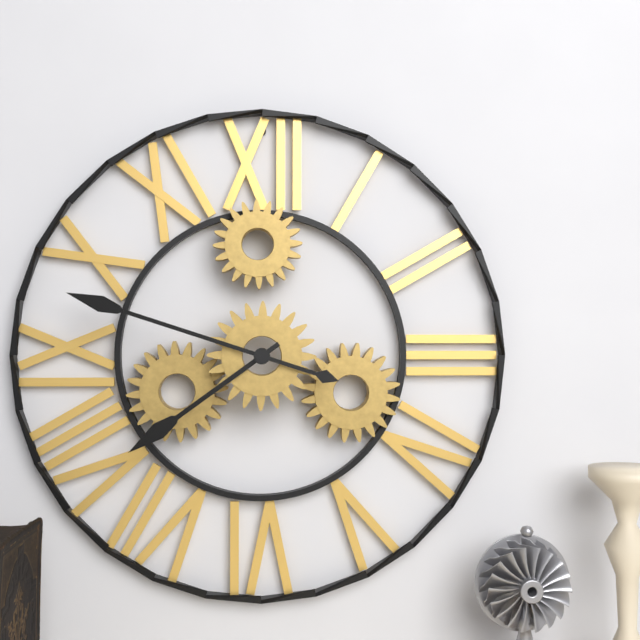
**7:48**
